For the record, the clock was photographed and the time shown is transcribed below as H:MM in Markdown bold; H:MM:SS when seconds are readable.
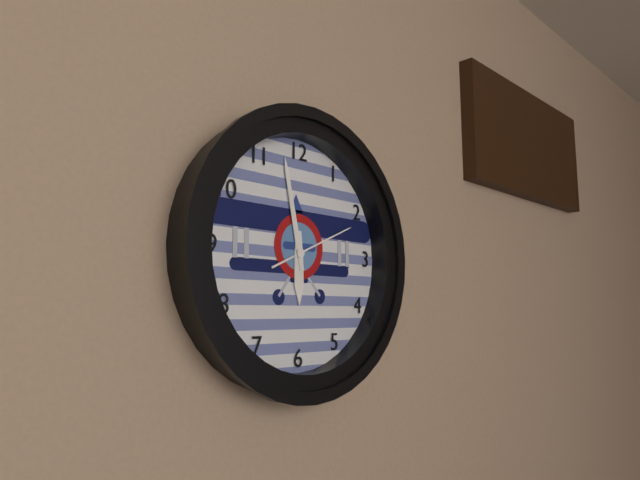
**5:58:11**
